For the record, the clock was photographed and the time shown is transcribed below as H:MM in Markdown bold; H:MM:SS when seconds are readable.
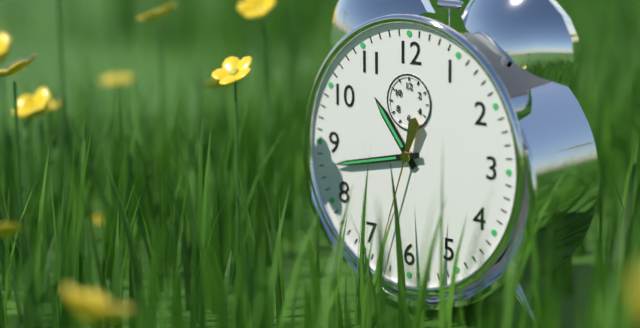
**10:43:33**
